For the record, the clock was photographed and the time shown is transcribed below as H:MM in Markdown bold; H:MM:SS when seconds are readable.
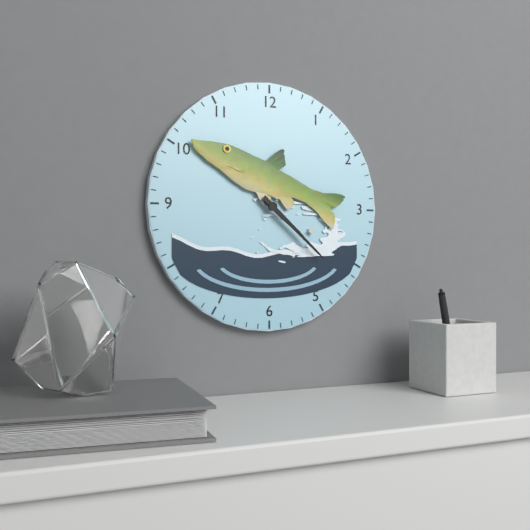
**4:22**
